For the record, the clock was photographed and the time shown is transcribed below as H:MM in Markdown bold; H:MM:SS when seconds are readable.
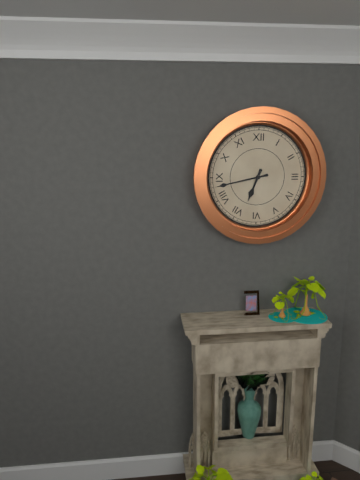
**6:43**
